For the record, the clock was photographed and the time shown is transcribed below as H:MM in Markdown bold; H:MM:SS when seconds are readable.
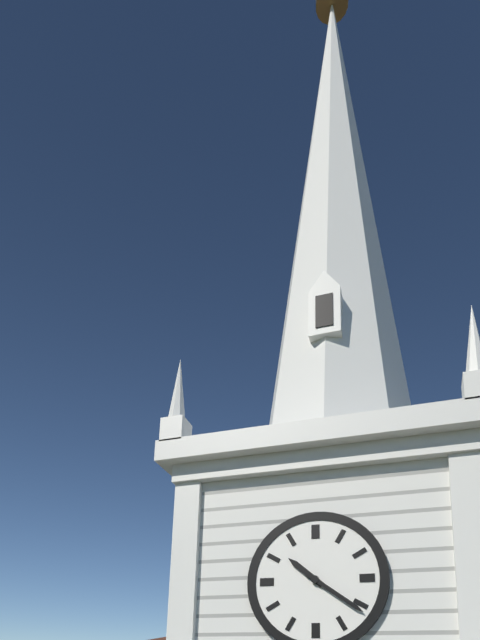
**10:21**
